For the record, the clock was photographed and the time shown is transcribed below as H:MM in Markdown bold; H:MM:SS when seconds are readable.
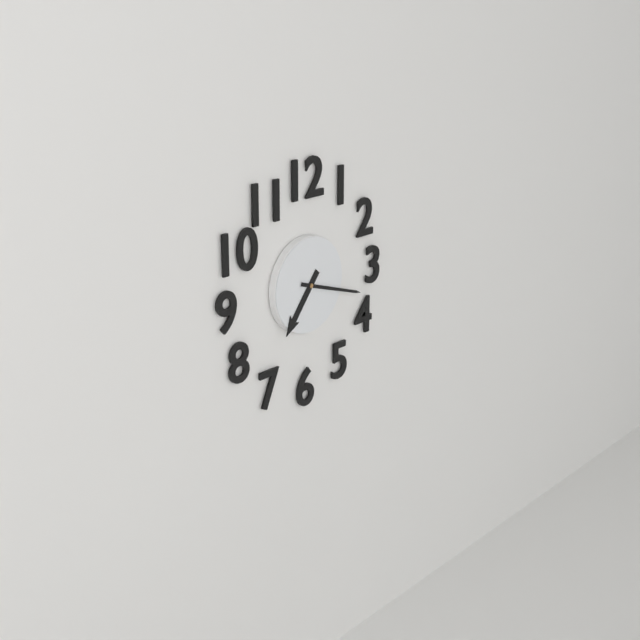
**7:18**
